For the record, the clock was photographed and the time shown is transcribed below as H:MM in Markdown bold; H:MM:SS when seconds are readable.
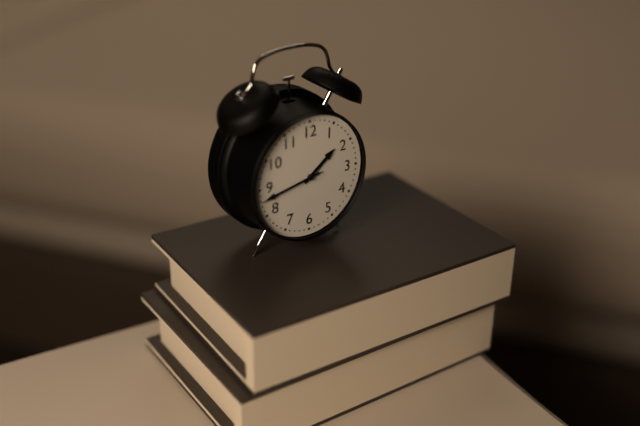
**1:43:43**
